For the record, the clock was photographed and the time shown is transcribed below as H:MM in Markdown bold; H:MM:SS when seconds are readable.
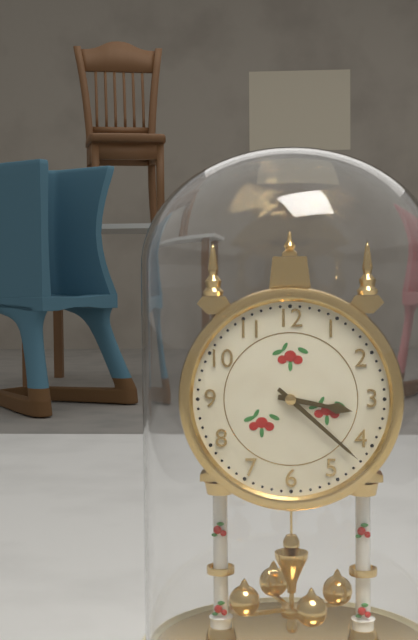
**3:22**
